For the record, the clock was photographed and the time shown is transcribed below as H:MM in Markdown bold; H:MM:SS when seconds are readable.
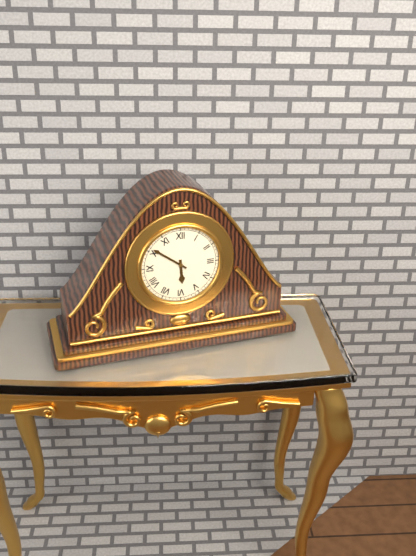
**5:51**
